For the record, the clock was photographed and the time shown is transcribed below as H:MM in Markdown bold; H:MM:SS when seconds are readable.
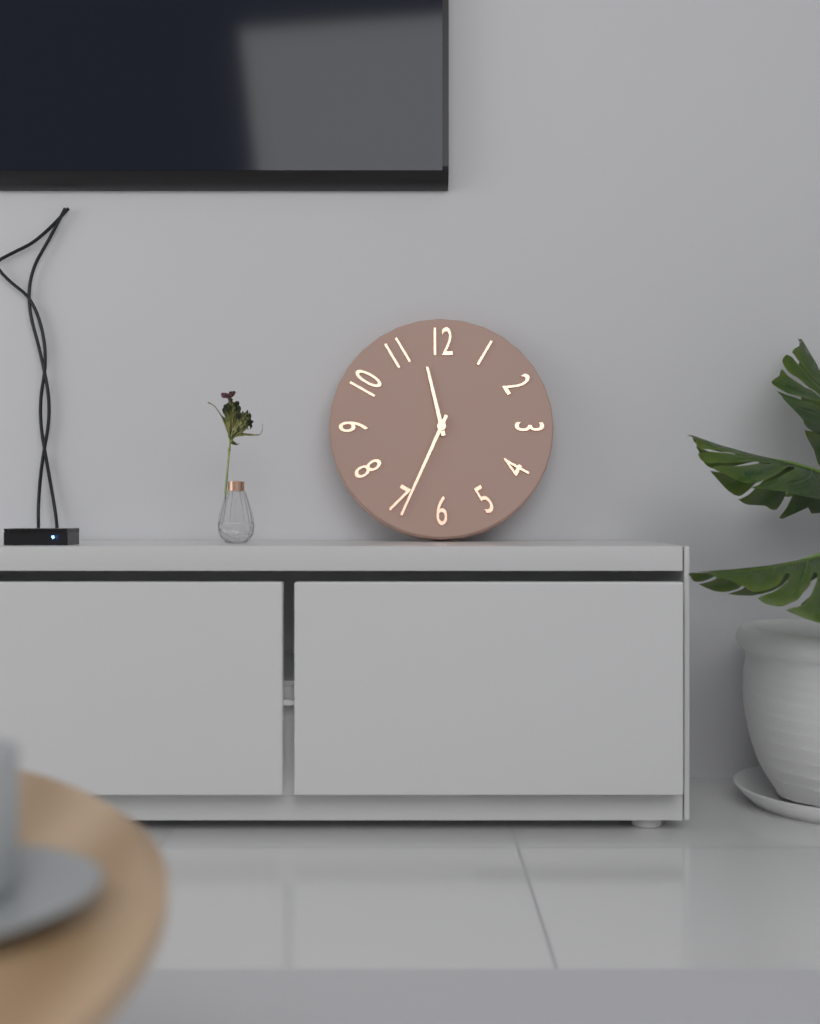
**11:34**
